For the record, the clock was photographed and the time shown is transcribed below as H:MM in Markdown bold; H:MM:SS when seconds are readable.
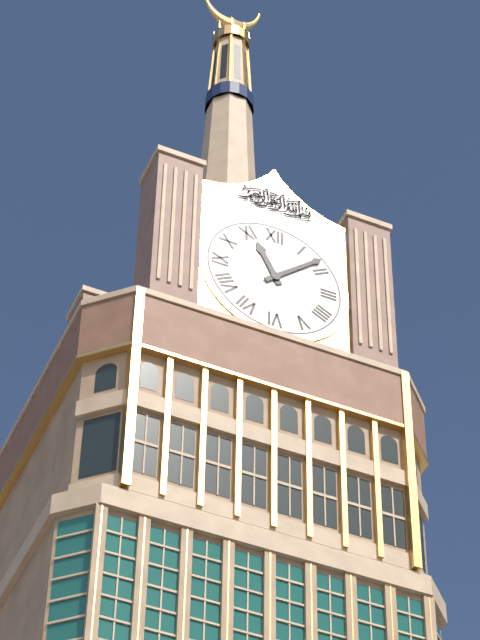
**11:08**
